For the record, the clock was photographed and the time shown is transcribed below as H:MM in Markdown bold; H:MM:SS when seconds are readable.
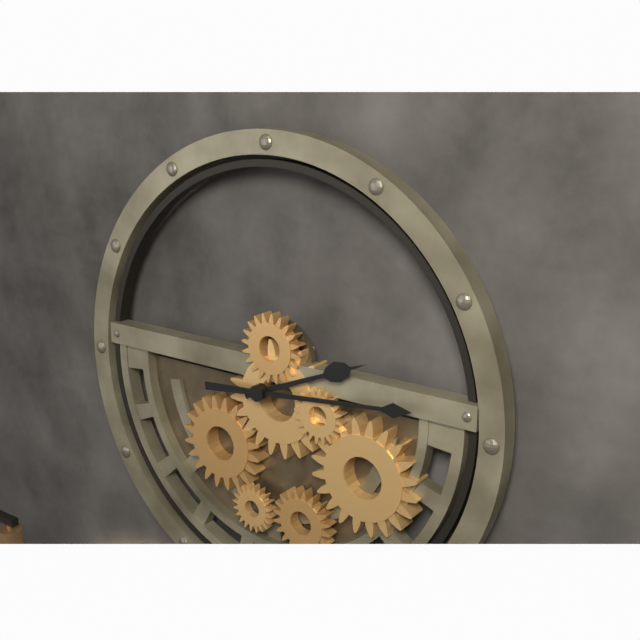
**2:14**
